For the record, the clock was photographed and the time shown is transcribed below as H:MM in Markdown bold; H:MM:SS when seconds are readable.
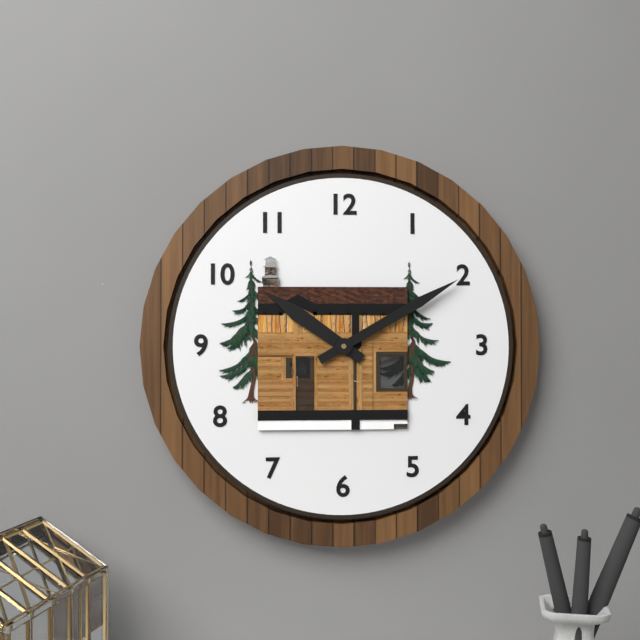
**10:10**
